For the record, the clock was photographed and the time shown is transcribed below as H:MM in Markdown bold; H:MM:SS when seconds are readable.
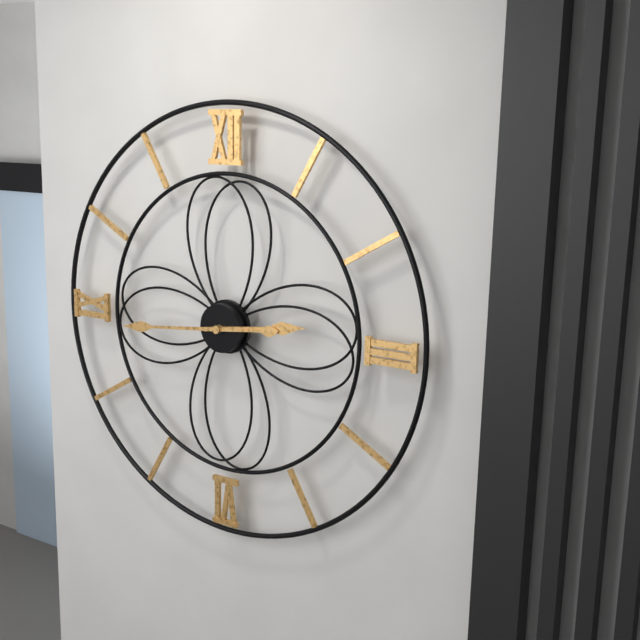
**2:44**
